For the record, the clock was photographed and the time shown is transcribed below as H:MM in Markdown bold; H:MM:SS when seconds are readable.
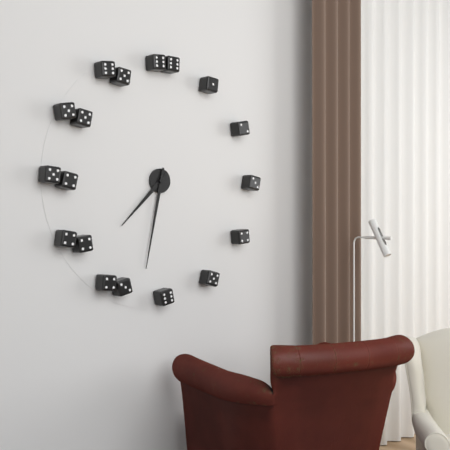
**7:32**
